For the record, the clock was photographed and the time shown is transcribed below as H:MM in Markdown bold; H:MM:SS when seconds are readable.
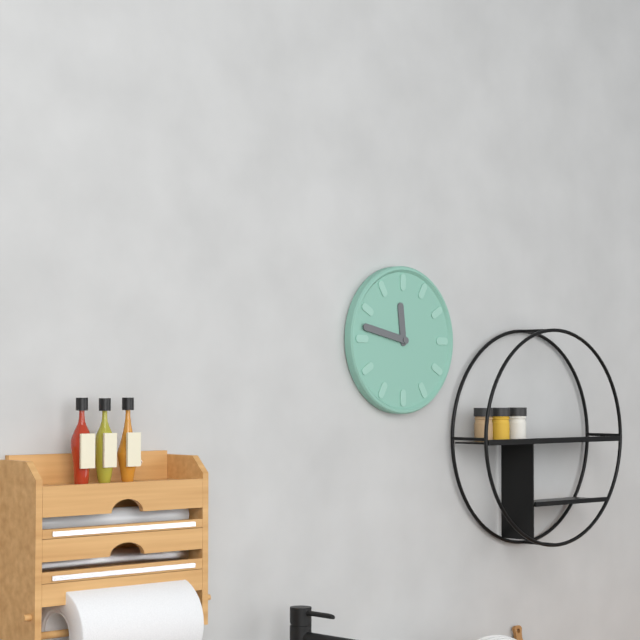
**11:47**
